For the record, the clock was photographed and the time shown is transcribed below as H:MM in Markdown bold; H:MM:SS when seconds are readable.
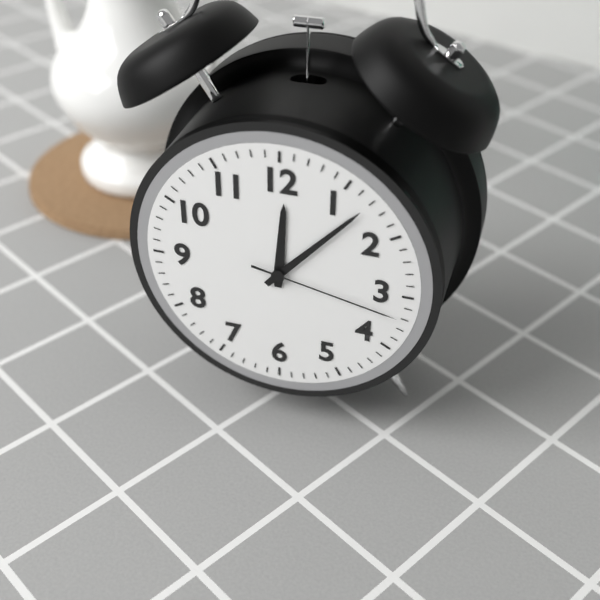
**12:07:17**
